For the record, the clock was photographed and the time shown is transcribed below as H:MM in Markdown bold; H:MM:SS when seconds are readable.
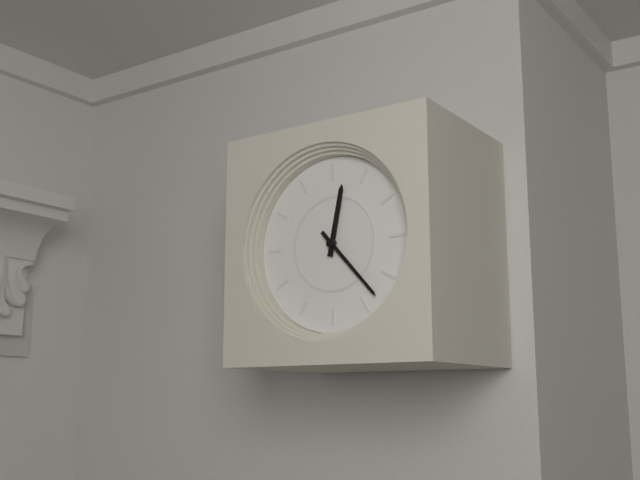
**12:23**
